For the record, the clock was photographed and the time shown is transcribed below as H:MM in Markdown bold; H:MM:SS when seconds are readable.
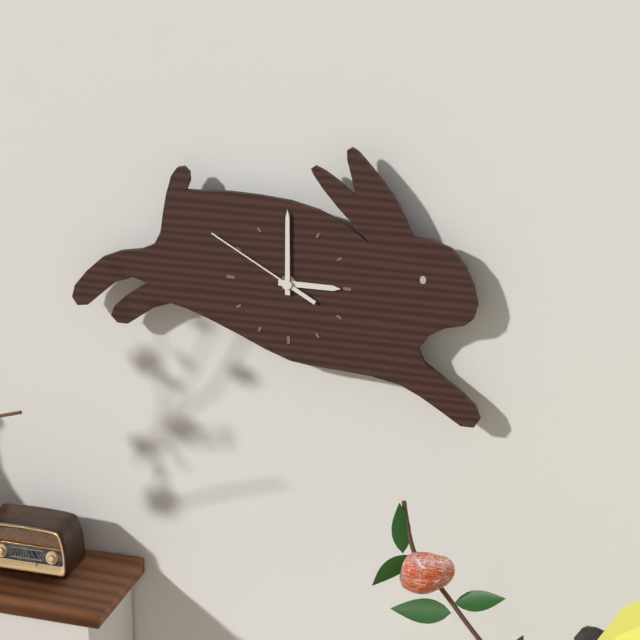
**3:00:50**
